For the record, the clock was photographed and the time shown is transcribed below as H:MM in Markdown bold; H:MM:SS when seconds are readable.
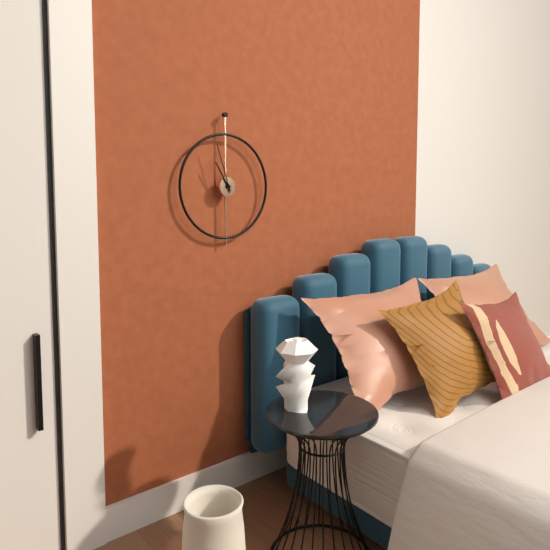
**10:57**
